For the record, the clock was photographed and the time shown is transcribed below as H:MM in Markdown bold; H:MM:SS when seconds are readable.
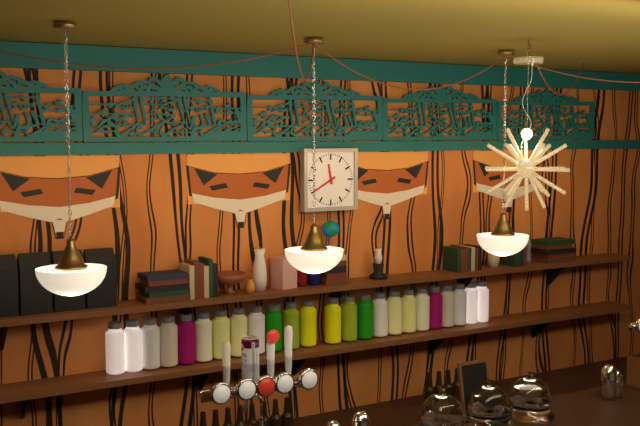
**11:40**
